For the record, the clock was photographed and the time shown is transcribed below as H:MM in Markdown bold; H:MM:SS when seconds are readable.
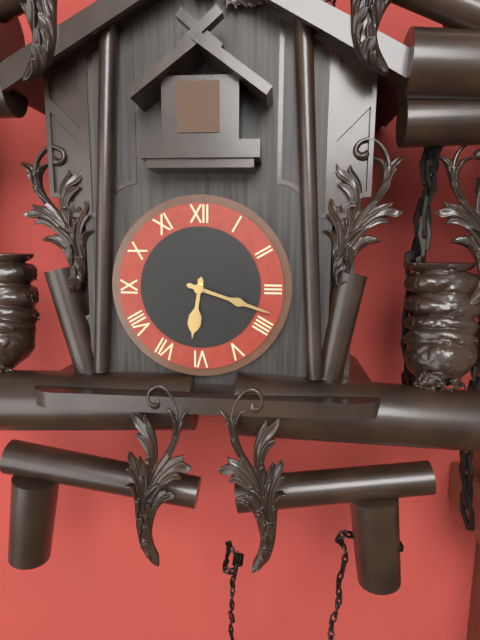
**6:18**
